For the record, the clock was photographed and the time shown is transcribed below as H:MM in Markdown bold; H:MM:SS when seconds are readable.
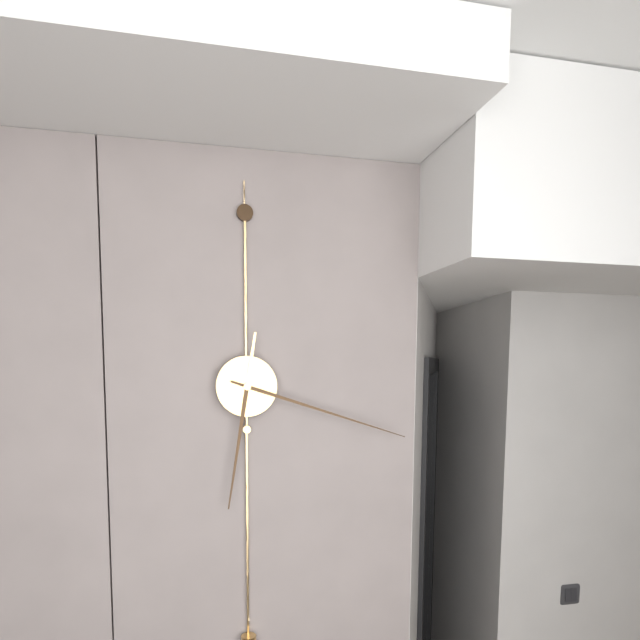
**6:18**
